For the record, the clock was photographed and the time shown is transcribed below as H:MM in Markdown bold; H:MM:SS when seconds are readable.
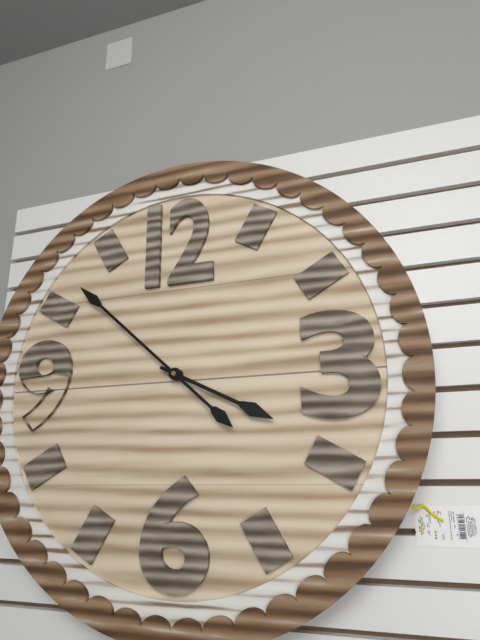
**3:52**
